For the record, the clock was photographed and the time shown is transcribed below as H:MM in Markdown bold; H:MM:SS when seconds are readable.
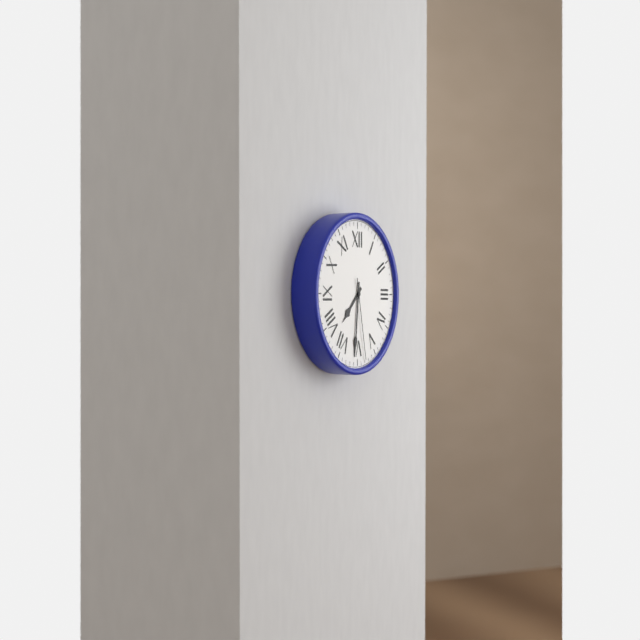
**7:31:28**
